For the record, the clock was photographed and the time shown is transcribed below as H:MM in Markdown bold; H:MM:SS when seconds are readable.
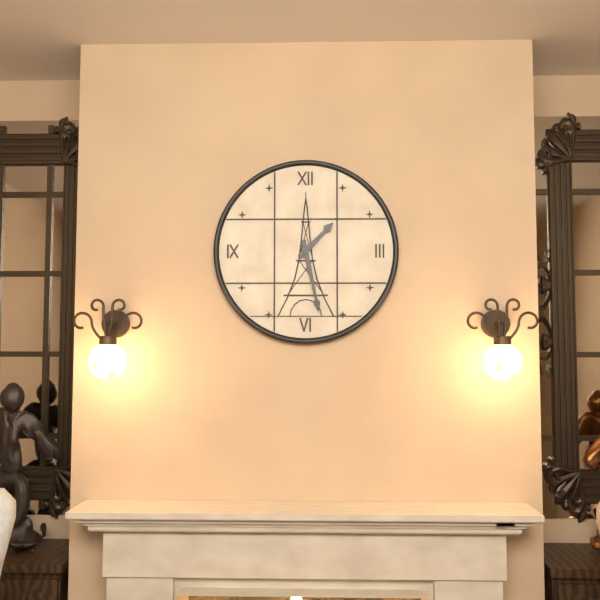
**1:28**
